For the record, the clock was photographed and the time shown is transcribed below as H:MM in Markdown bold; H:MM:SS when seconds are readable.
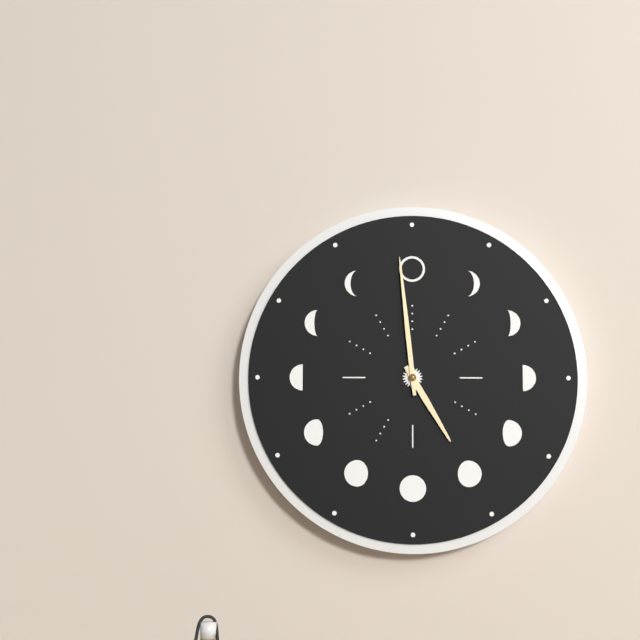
**4:59**
